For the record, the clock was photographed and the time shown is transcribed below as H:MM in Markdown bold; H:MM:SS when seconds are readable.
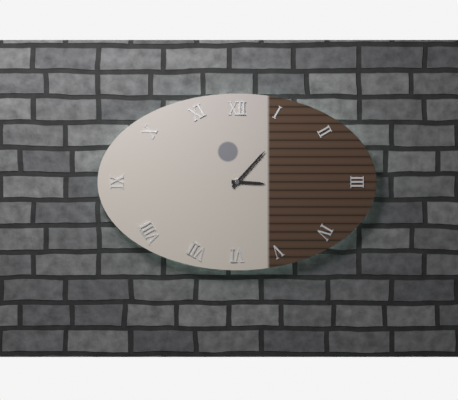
**3:07**
